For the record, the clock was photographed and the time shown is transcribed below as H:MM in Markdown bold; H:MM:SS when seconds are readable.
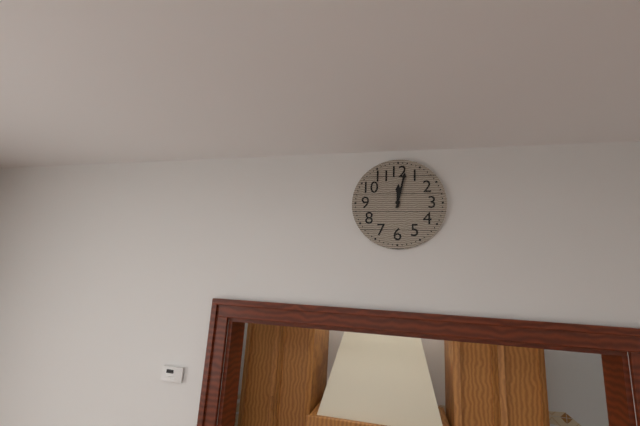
**12:02**
